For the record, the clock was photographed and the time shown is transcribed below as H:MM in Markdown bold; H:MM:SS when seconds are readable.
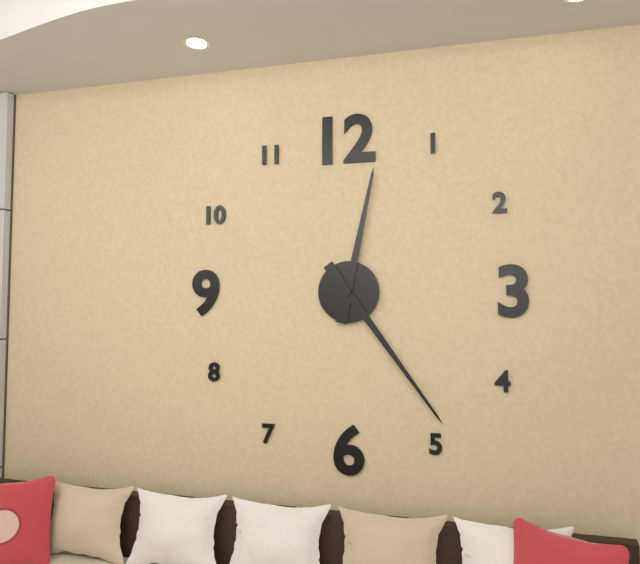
**12:24**
